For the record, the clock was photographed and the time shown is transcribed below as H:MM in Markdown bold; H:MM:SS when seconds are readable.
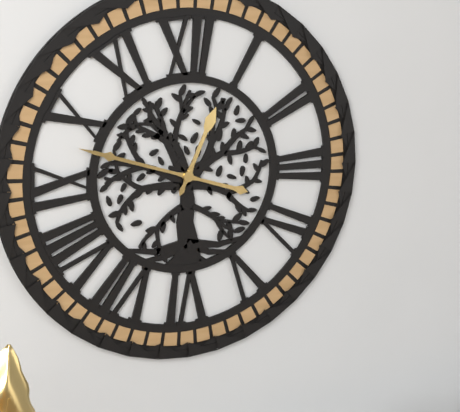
**12:48**
